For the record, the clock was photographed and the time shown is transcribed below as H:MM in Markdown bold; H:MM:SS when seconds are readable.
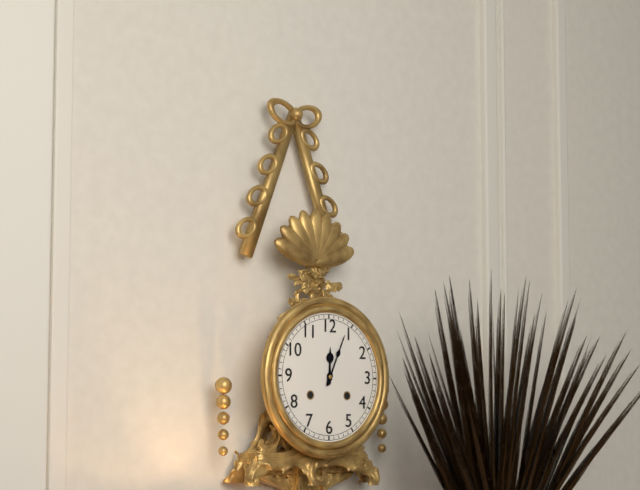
**12:04**
